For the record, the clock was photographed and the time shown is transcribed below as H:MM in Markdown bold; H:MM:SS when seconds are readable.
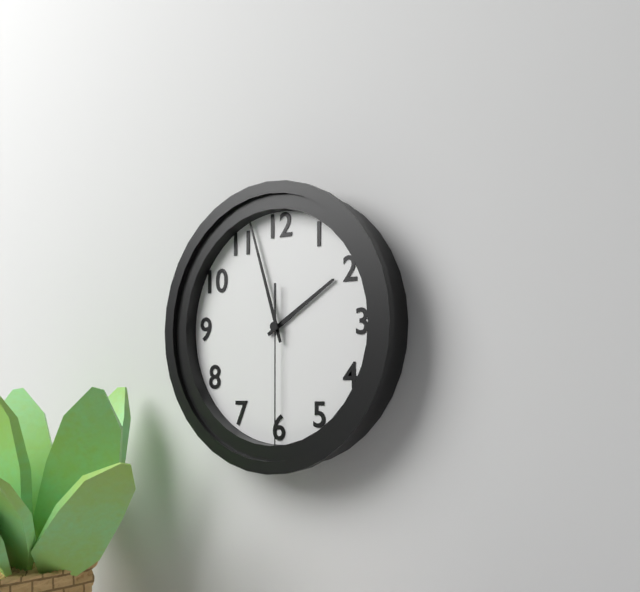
**1:57:30**
